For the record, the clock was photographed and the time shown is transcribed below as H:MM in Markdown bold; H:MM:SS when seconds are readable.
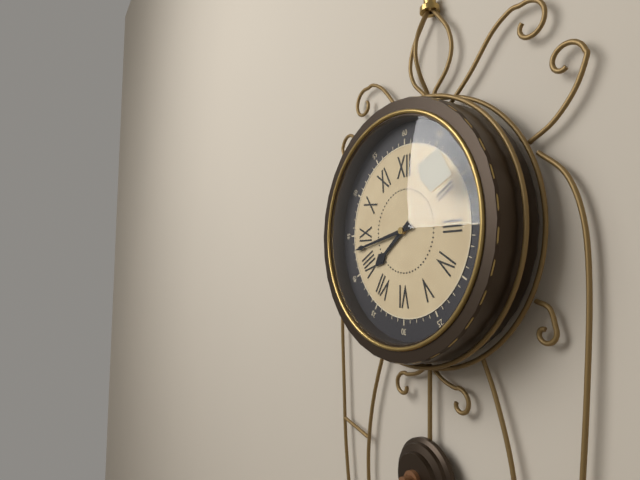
**7:43**
